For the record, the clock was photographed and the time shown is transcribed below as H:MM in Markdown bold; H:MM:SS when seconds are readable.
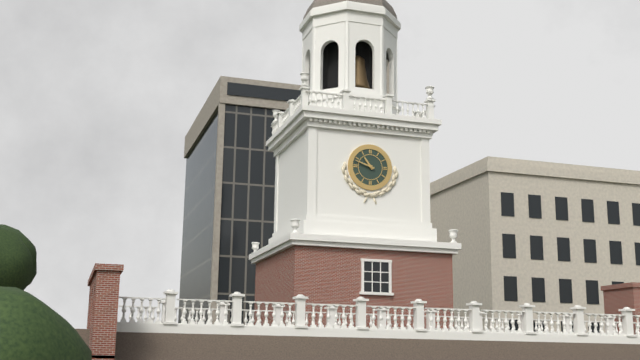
**10:48**
